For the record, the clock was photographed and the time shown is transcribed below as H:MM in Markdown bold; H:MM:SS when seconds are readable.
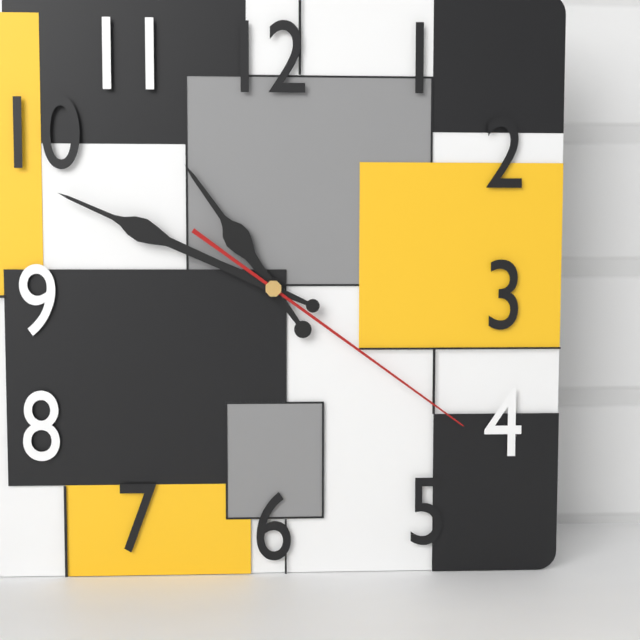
**10:49:21**
